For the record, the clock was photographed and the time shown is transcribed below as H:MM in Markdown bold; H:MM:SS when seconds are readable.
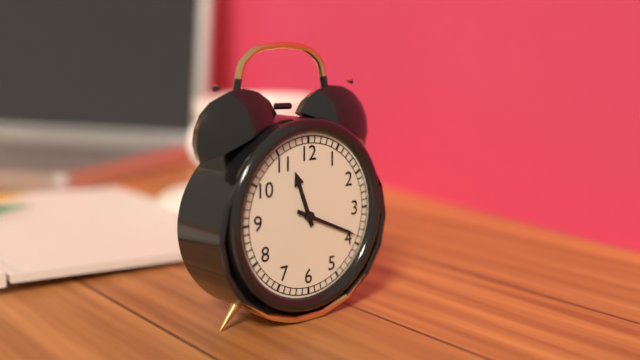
**11:19**
